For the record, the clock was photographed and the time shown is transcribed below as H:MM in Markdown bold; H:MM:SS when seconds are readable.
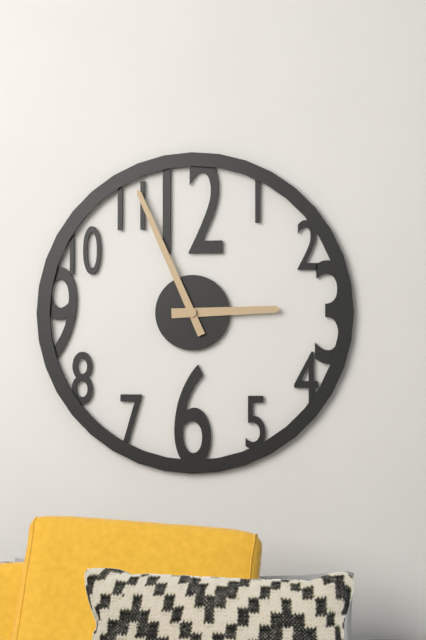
**2:56**
